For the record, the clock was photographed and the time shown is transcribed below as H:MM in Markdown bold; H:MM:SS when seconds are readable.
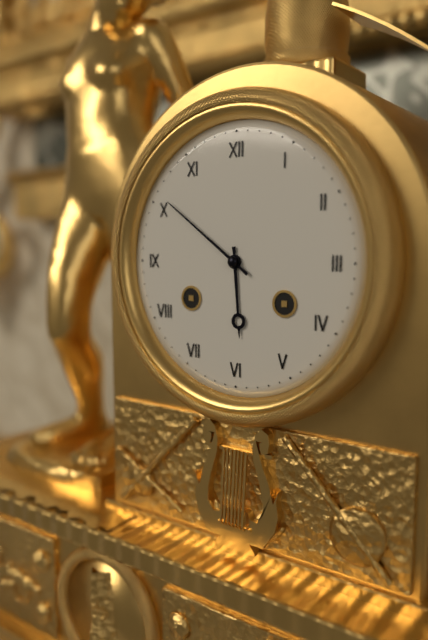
**5:51**
